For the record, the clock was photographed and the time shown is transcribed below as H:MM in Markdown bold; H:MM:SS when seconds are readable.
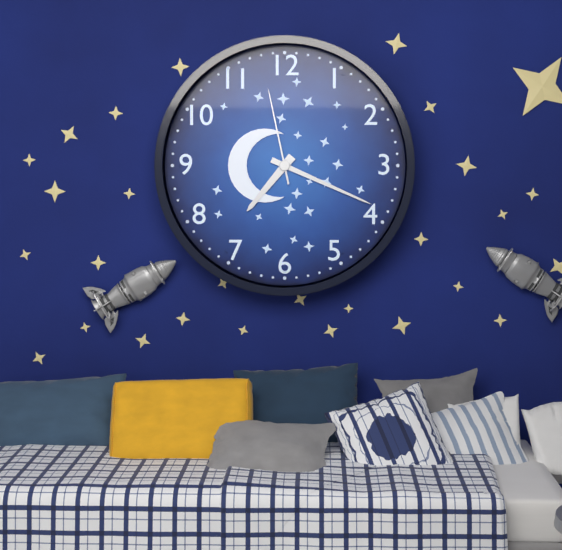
**7:19:58**
